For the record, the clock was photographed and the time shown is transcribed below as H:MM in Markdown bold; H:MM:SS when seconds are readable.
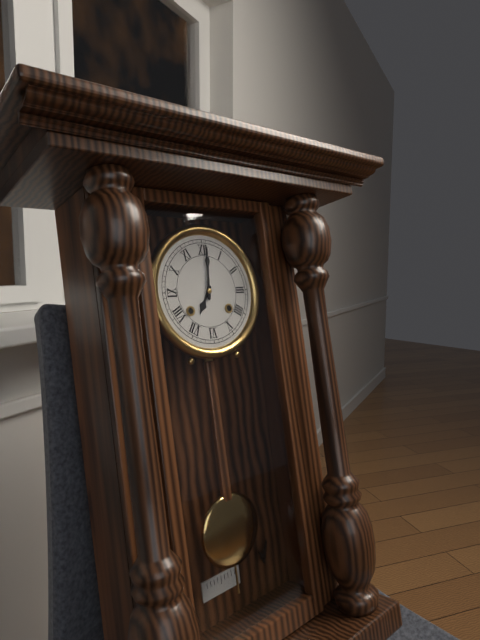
**7:01**
